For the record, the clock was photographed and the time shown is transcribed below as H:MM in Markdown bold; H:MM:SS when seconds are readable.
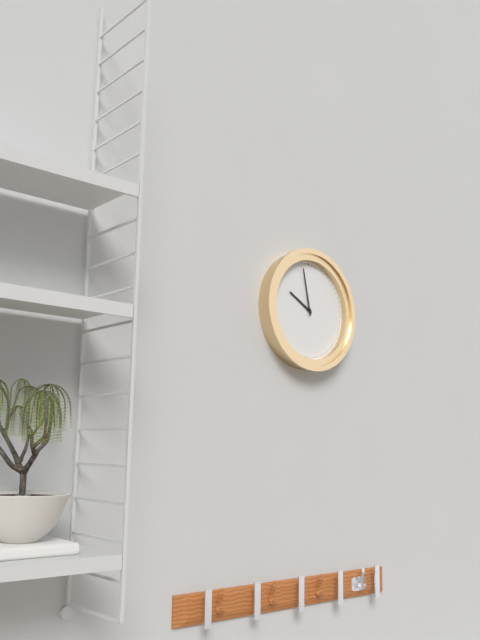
**9:58**
